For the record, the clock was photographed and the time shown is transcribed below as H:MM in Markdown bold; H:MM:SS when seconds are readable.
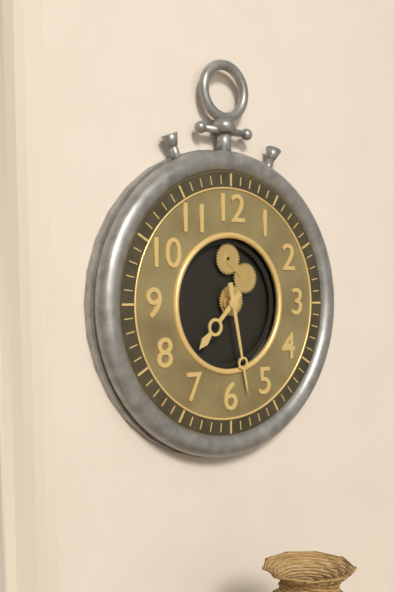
**7:28**
